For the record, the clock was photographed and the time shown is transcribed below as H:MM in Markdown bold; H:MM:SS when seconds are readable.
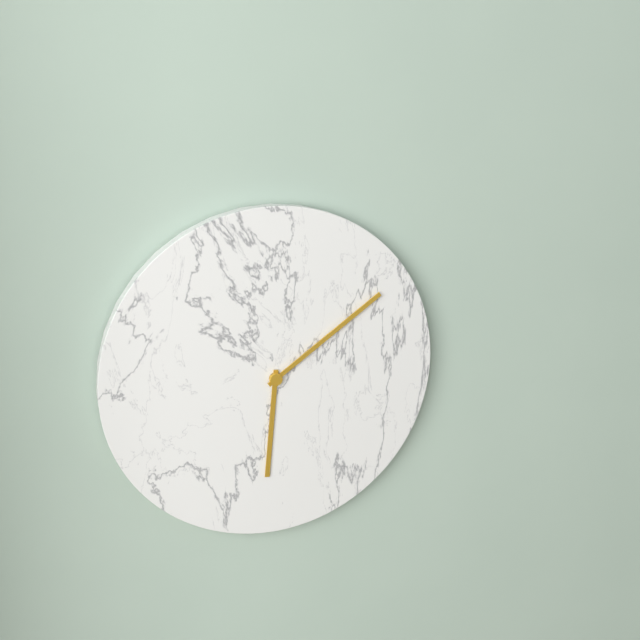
**6:09**
